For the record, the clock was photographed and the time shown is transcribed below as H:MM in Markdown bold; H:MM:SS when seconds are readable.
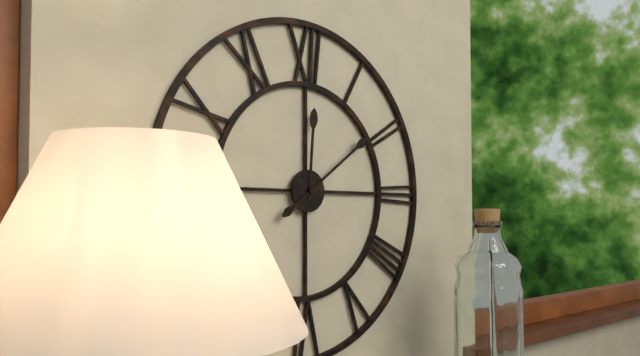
**12:09**
